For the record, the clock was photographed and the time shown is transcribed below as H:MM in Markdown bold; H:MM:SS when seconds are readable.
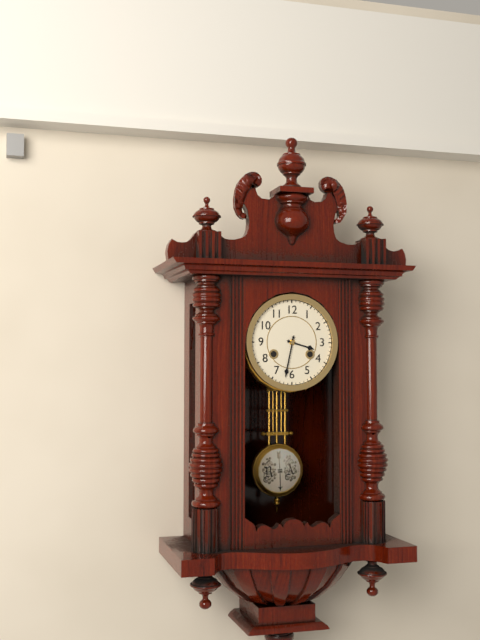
**3:32**
